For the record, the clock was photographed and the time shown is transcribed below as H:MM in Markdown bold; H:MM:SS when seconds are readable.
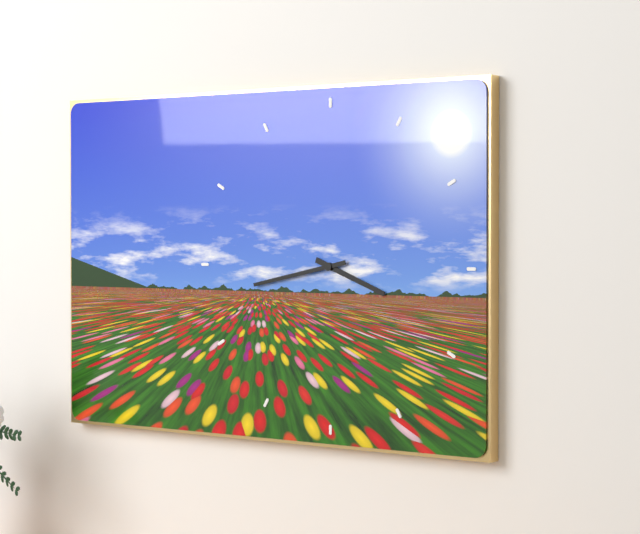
**3:43**
